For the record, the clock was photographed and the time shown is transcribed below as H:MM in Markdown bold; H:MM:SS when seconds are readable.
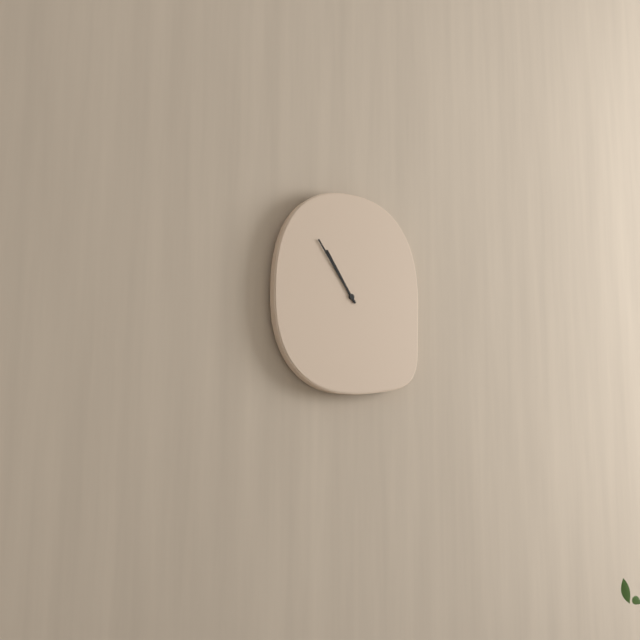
**10:54**
